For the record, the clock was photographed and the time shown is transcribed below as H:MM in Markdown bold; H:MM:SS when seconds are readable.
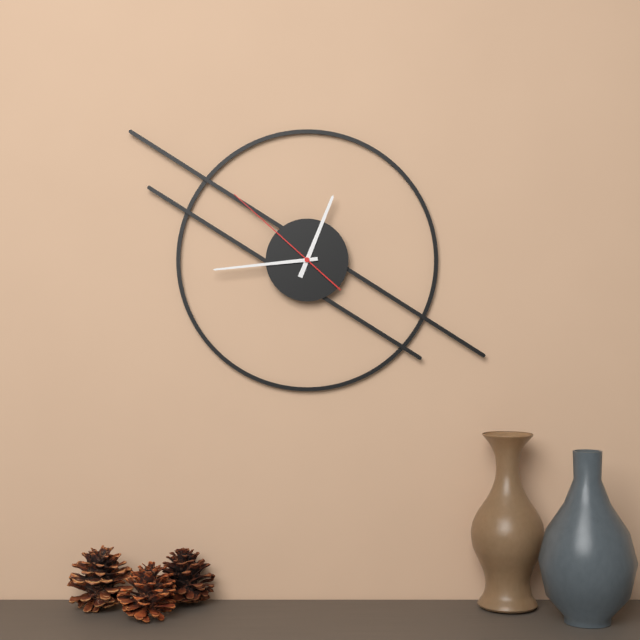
**12:44:52**
